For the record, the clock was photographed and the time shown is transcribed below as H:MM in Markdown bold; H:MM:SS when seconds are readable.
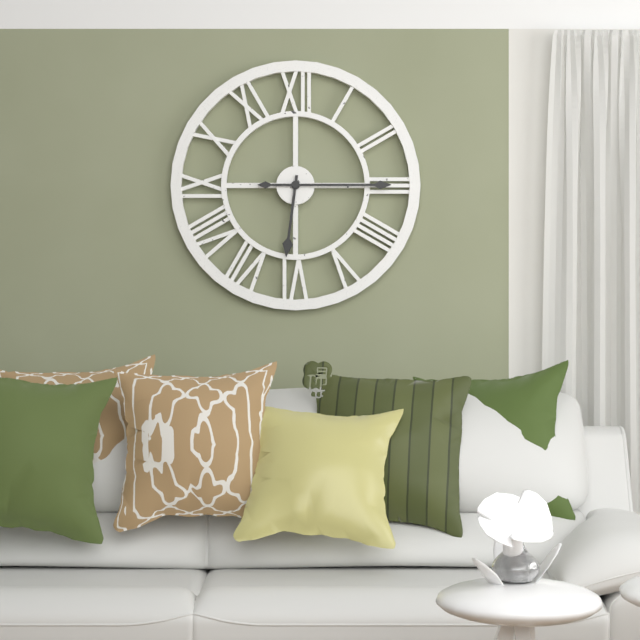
**6:15**
